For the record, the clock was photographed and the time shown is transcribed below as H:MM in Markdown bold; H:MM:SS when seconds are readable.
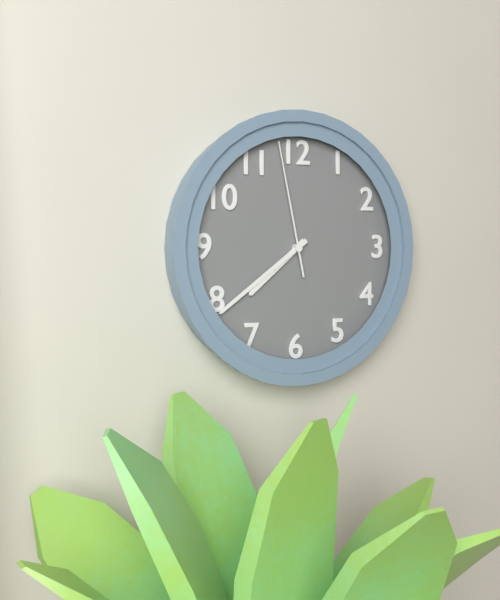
**7:39:58**
